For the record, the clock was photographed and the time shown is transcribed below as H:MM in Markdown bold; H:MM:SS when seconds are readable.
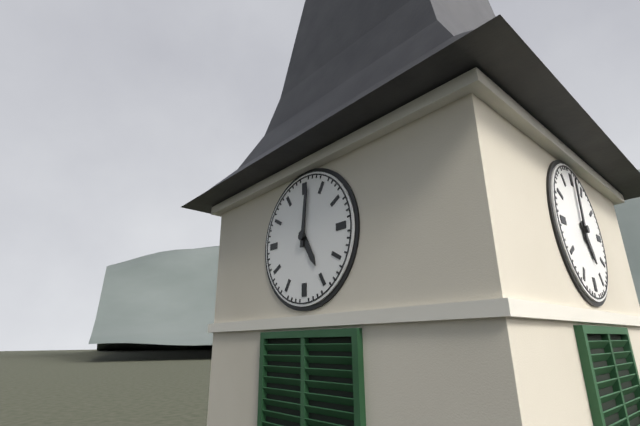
**5:01**
